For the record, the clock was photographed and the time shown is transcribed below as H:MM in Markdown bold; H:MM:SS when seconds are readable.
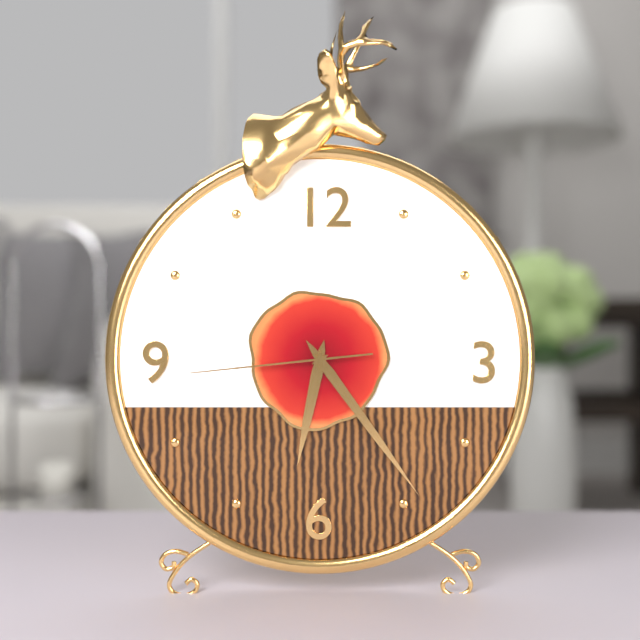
**6:24:44**
